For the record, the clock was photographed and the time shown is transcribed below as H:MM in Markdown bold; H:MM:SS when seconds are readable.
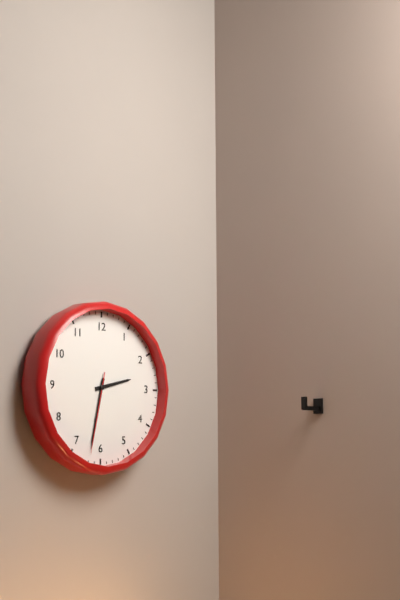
**2:32:32**
